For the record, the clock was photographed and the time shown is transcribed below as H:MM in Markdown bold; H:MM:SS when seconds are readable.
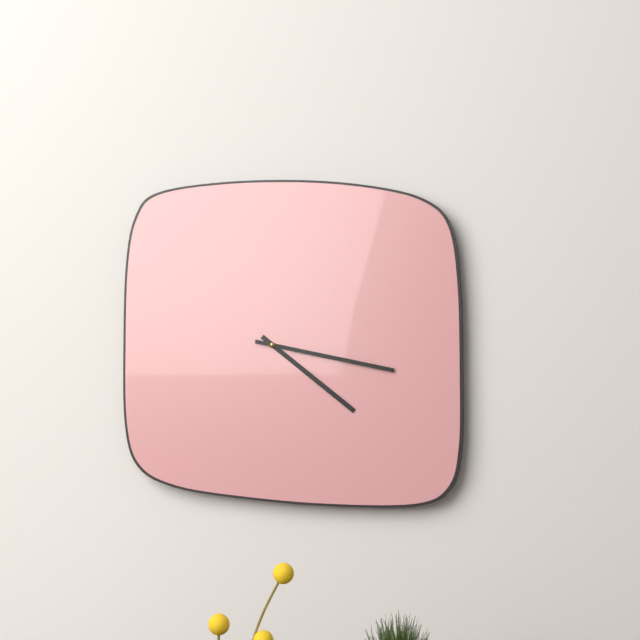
**4:17**
